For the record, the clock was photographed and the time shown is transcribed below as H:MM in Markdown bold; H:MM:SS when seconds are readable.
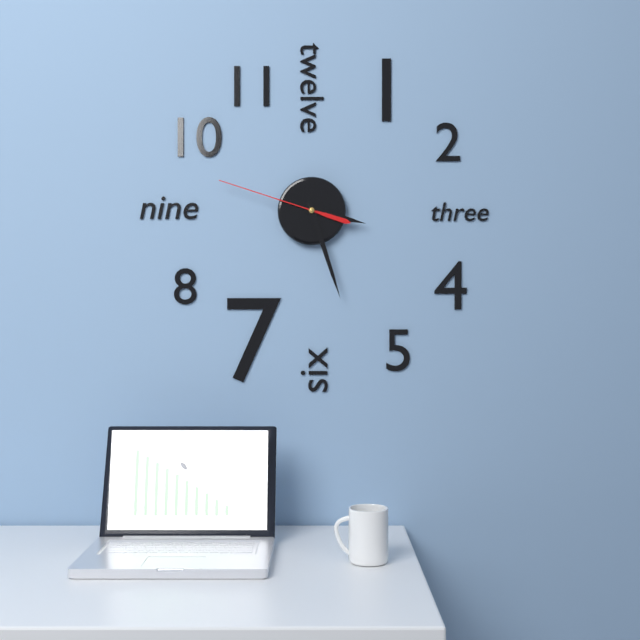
**3:27:48**
